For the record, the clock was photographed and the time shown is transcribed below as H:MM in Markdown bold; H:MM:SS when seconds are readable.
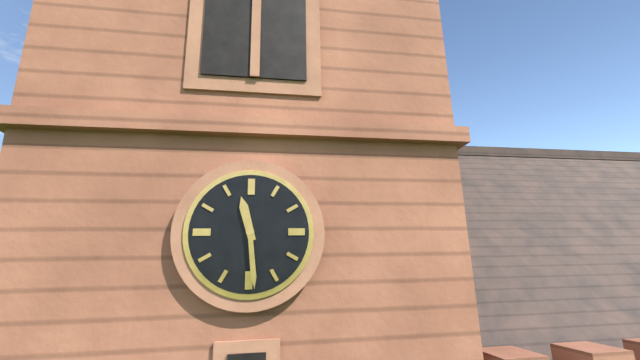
**11:29**
